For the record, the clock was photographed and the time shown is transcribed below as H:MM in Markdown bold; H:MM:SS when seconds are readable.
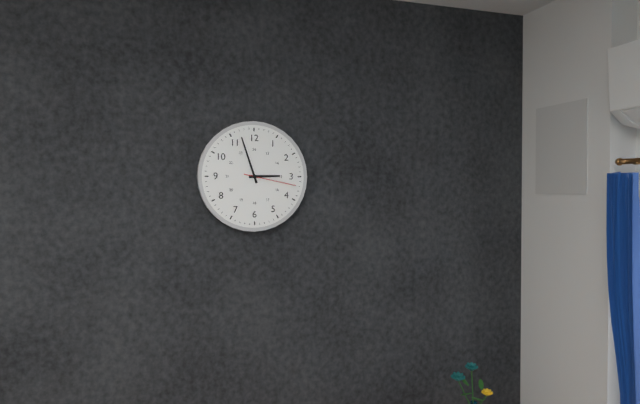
**2:57:17**
